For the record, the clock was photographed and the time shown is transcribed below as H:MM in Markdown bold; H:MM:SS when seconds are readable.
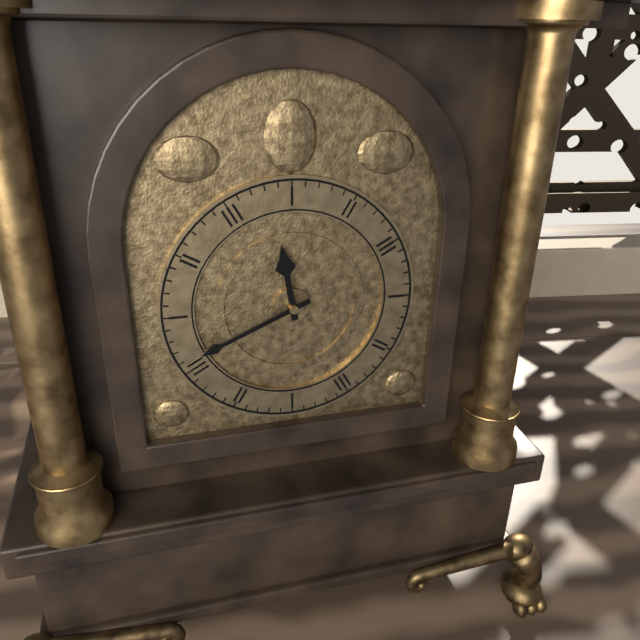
**11:41**
